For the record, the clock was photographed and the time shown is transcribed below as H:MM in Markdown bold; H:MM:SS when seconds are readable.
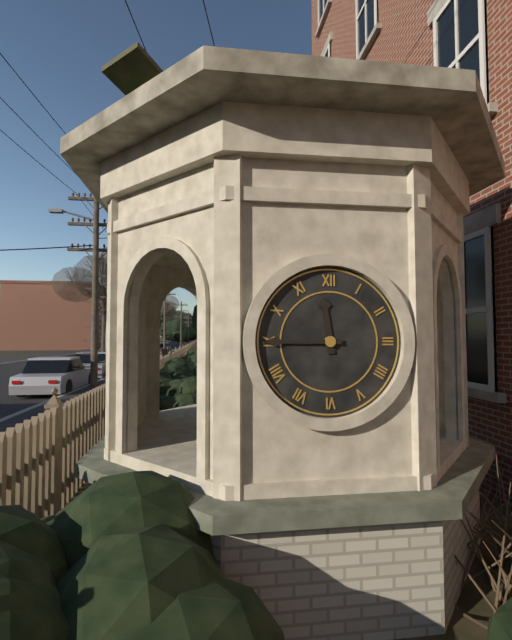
**11:45**
